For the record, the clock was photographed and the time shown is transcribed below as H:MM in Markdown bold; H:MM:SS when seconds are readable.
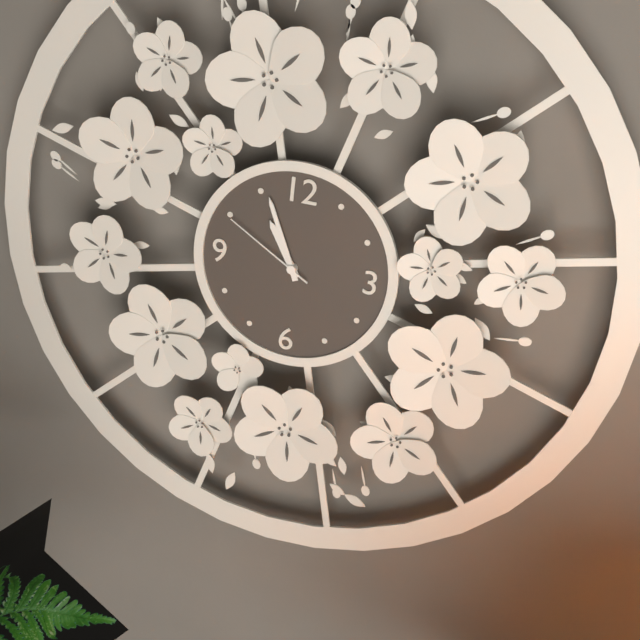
**10:56:50**
